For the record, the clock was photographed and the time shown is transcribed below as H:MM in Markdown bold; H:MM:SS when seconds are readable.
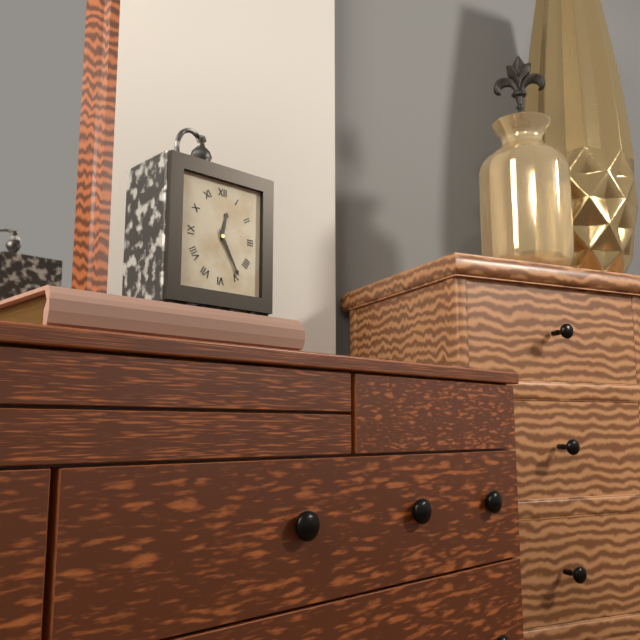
**12:25**
